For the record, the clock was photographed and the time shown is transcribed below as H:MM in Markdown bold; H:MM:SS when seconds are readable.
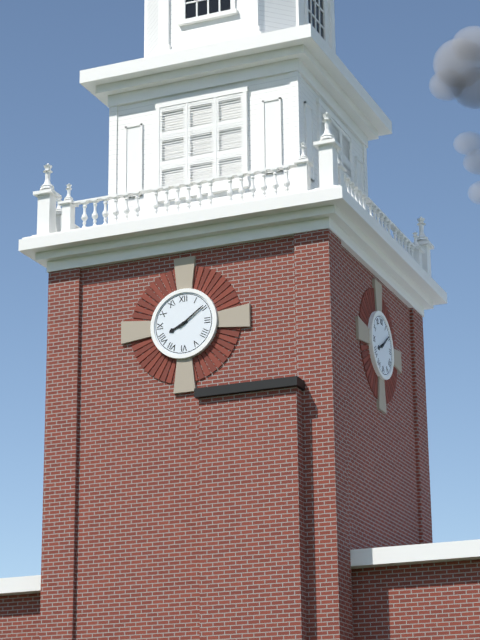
**8:09**
